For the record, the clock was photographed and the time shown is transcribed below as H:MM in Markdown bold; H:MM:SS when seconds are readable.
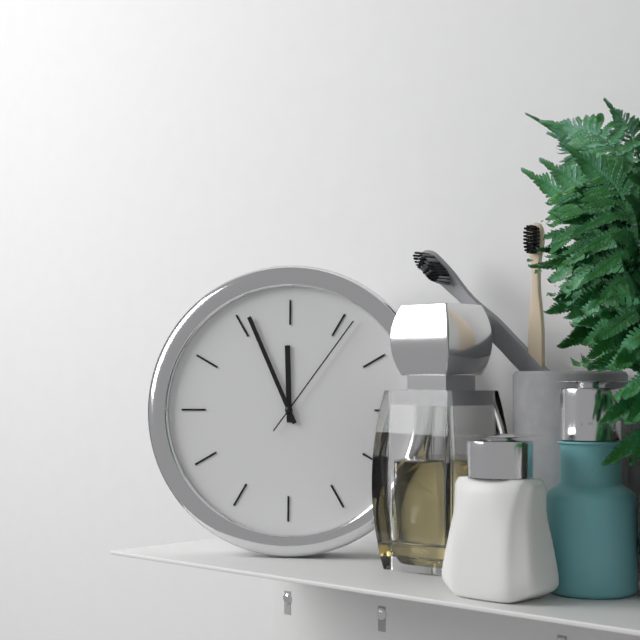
**11:56:06**
